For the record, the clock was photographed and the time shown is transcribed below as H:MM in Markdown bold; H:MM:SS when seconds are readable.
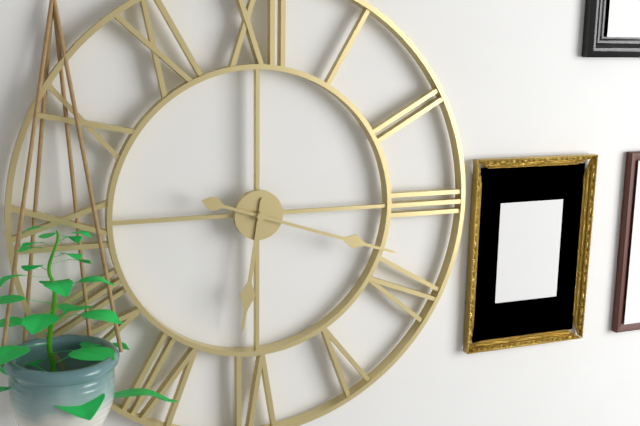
**6:18**
